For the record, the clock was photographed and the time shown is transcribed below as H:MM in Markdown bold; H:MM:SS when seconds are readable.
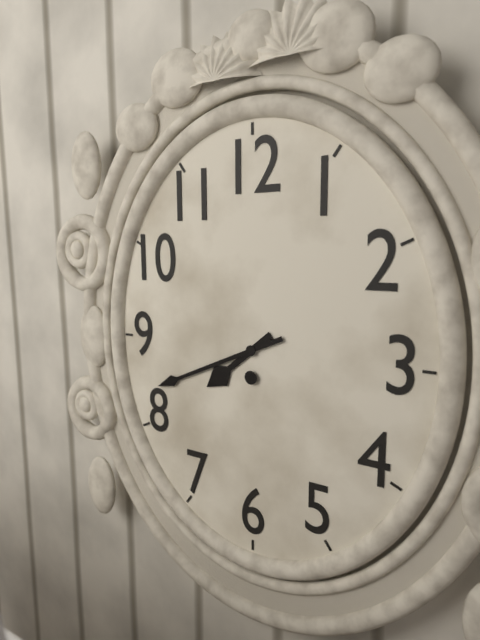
**7:41**
